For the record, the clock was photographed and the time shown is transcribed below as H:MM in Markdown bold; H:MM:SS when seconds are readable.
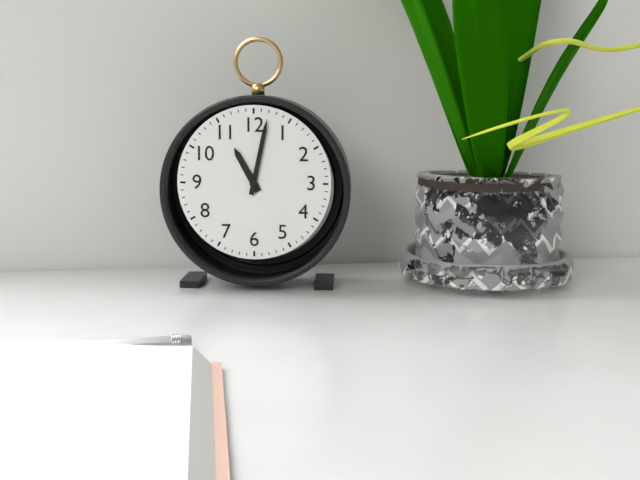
**11:02**
